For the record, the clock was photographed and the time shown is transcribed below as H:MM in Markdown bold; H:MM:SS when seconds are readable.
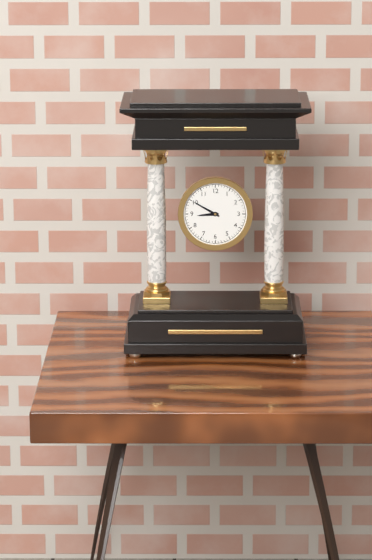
**8:50**
